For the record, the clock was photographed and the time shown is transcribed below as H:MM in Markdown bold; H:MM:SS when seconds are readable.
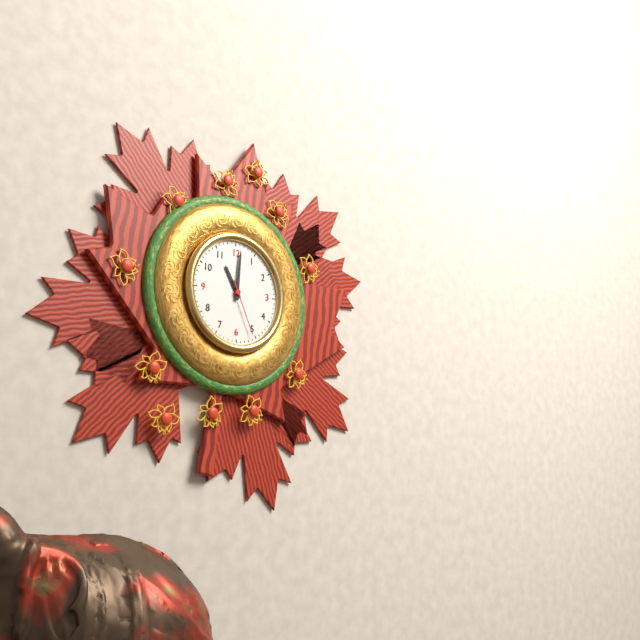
**11:01:26**
